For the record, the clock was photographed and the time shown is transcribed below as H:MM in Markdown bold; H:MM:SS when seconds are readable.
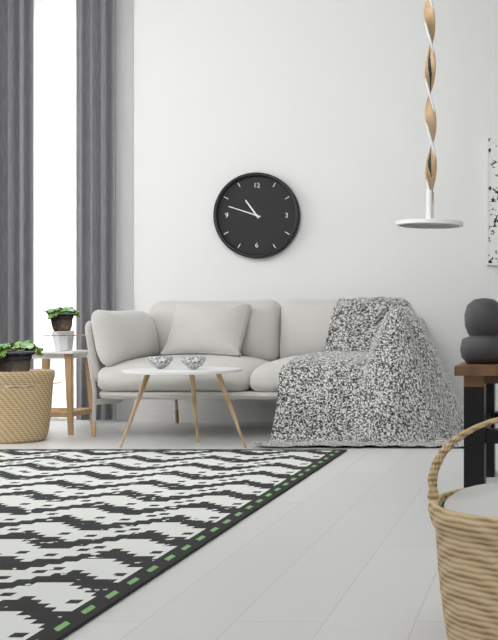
**10:48**
